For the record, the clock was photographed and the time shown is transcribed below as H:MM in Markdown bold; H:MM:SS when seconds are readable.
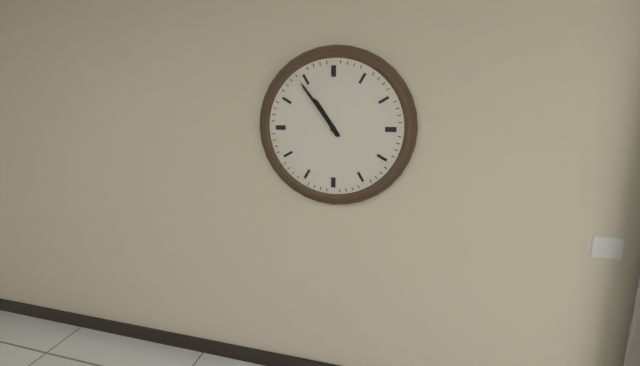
**10:54**
